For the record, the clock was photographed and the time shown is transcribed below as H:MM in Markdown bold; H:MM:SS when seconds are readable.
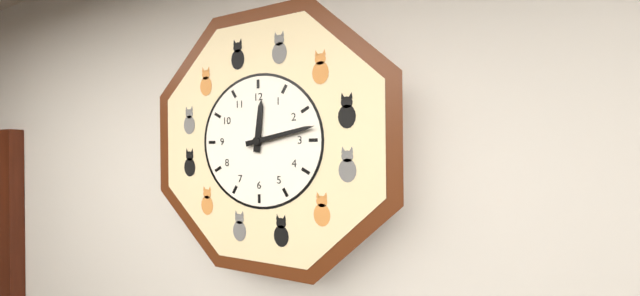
**12:13**
